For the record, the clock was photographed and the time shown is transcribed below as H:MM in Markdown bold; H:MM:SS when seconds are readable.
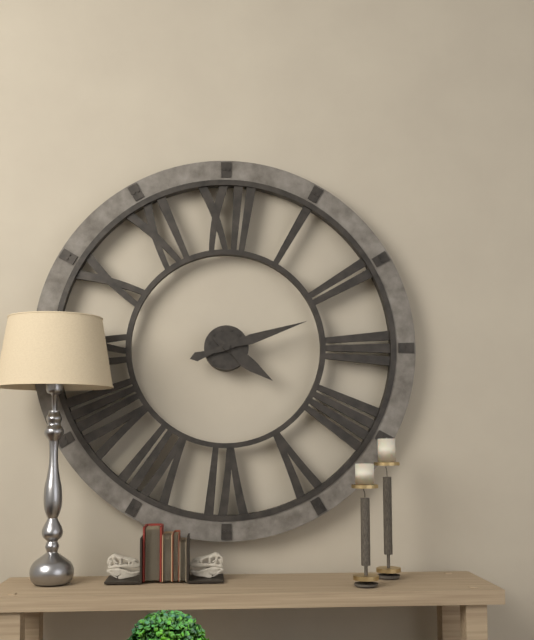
**4:12**
